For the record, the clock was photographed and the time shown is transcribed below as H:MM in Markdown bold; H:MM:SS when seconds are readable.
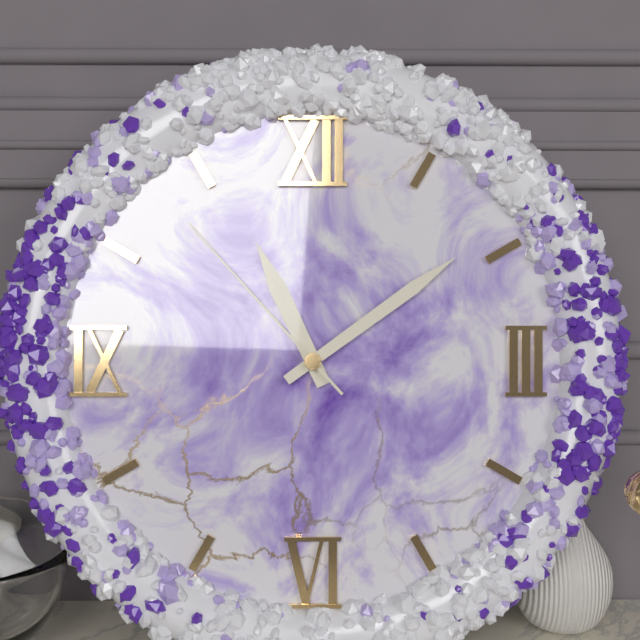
**11:09:53**
